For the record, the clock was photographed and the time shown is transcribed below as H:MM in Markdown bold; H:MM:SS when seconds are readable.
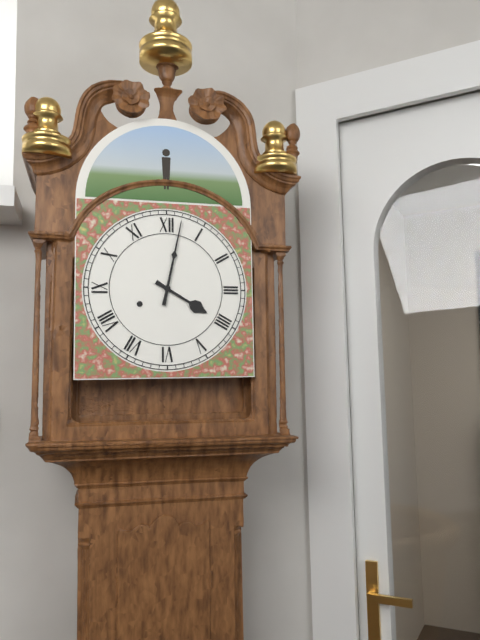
**4:02**
